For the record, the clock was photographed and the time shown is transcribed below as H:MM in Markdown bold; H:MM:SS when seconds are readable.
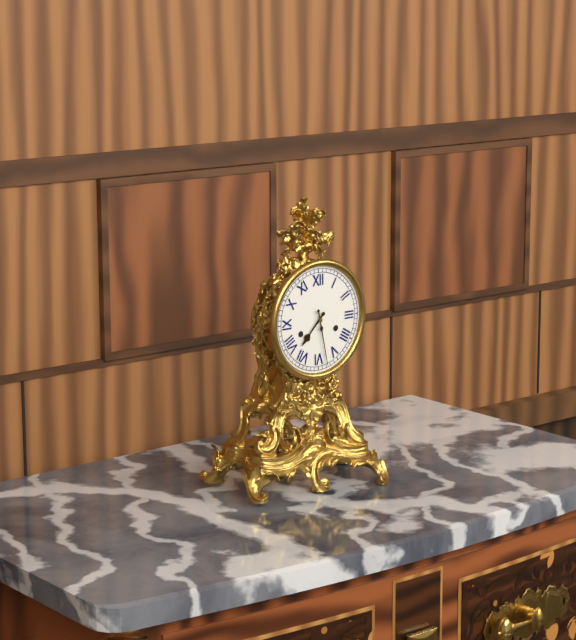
**7:28**
